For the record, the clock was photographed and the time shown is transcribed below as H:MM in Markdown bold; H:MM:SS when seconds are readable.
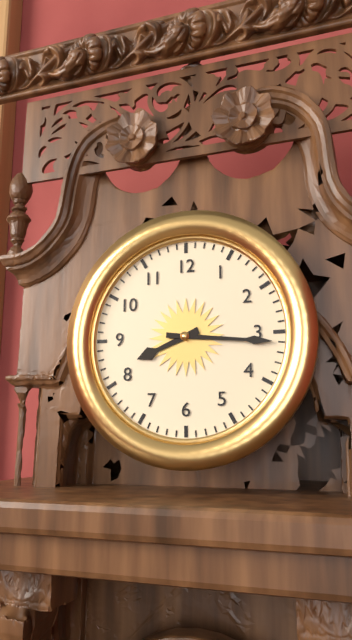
**8:16**
